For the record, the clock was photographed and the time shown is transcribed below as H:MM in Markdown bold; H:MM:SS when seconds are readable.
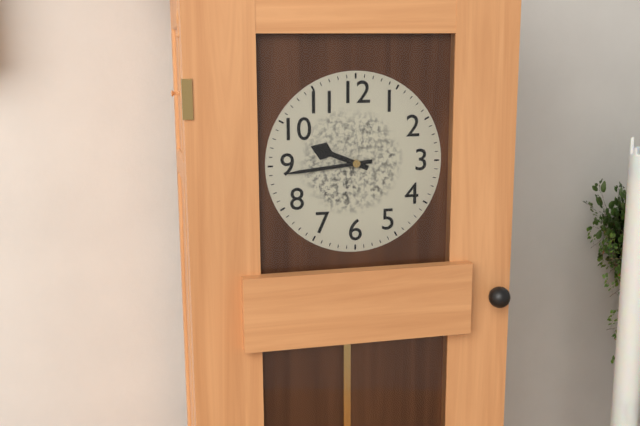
**9:44**
